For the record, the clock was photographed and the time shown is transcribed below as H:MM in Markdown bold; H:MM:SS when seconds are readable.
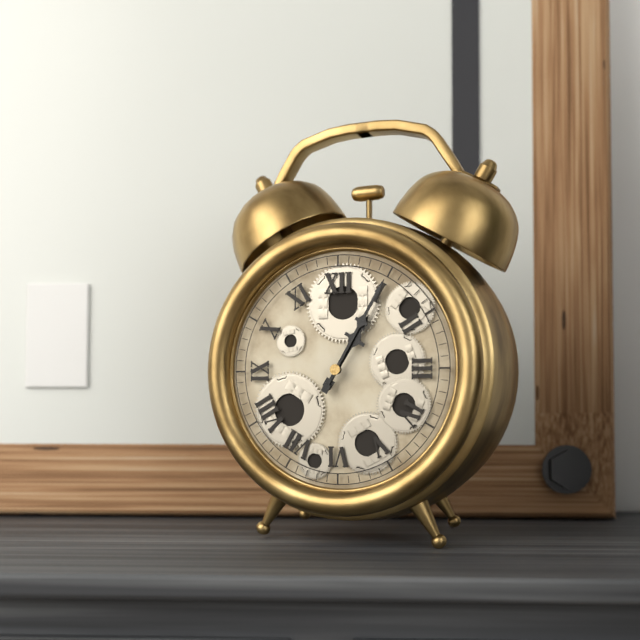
**1:05**
